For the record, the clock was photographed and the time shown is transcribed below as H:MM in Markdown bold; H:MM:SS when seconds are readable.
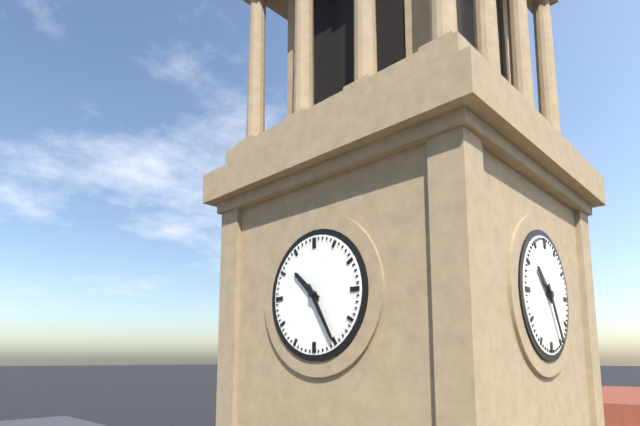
**10:25**
